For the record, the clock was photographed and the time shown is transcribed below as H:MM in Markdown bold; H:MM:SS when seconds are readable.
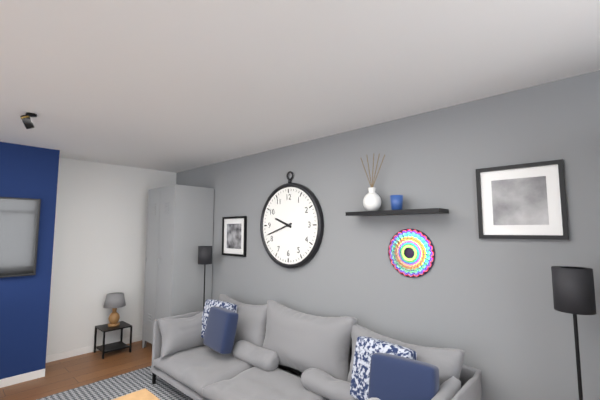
**9:42**
